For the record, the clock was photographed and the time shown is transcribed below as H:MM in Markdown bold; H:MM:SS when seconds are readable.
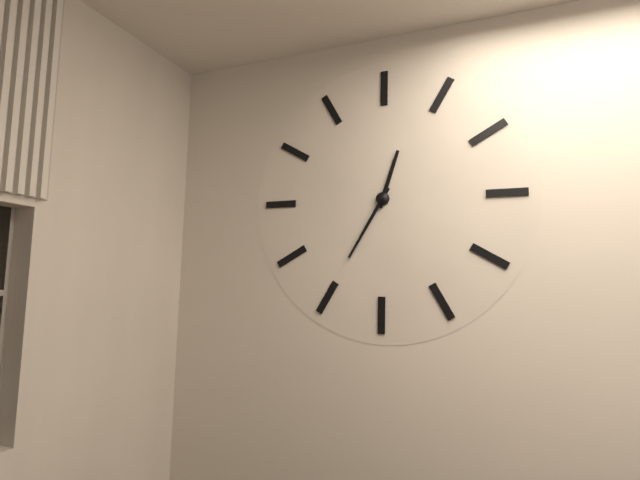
**12:35**
